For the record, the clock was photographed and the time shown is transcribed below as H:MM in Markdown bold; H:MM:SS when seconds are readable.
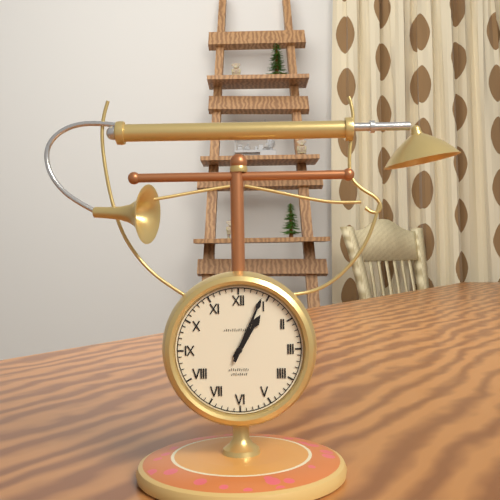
**1:04**
